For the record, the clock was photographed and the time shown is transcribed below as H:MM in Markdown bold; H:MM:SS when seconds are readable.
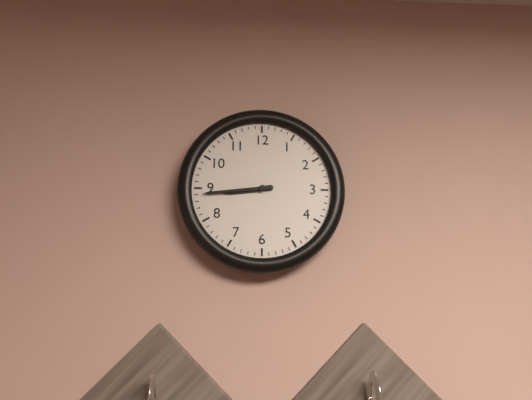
**8:44**
